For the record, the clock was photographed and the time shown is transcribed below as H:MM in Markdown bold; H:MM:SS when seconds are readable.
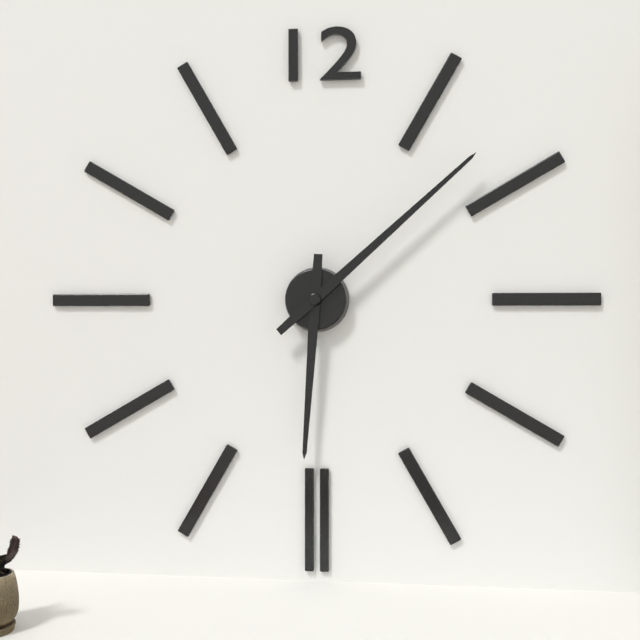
**6:08**
